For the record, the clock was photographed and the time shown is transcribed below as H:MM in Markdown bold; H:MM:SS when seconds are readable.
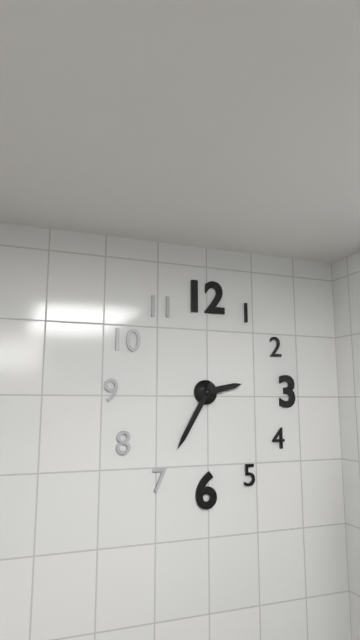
**2:35**
